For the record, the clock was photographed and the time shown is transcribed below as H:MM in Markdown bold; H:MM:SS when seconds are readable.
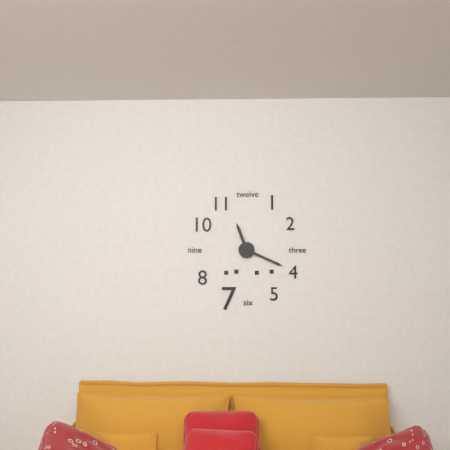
**11:19**
